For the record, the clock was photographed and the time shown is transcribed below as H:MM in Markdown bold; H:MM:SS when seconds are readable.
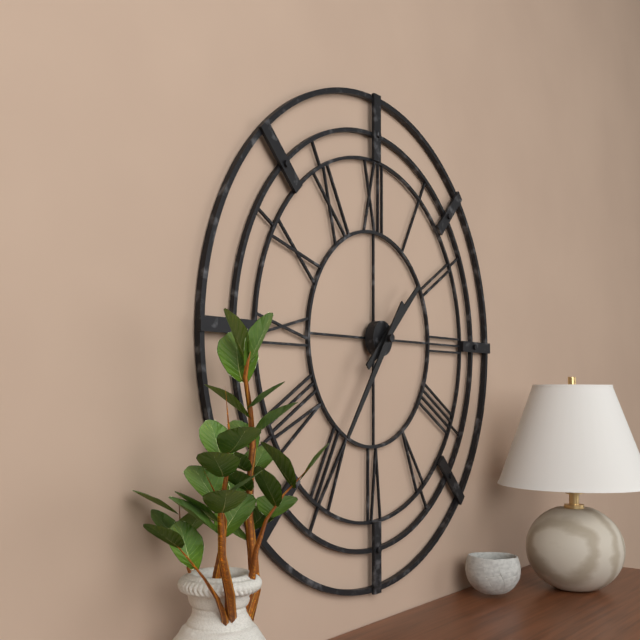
**1:36**
